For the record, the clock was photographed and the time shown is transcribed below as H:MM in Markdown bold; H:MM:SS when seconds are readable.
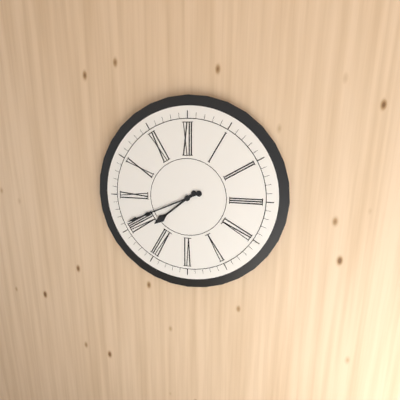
**7:41**
